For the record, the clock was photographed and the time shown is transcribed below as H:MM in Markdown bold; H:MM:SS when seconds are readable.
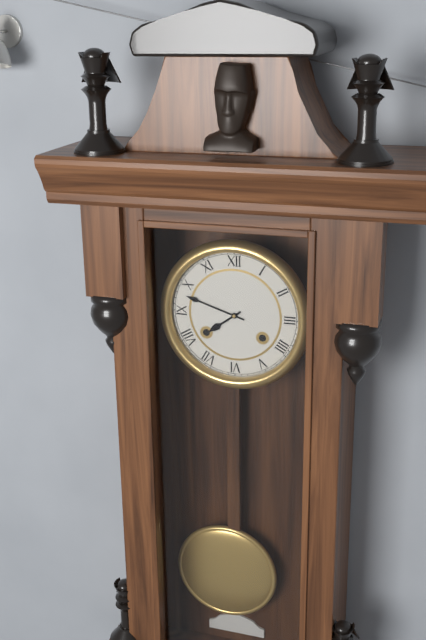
**7:48**
